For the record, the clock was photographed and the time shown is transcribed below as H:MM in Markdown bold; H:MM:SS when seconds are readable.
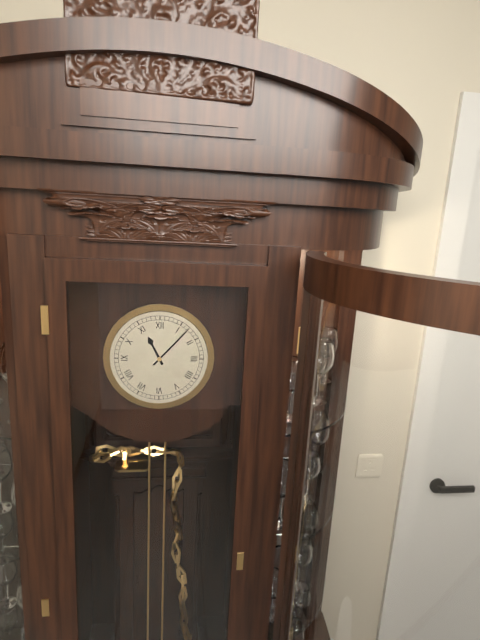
**11:07**
